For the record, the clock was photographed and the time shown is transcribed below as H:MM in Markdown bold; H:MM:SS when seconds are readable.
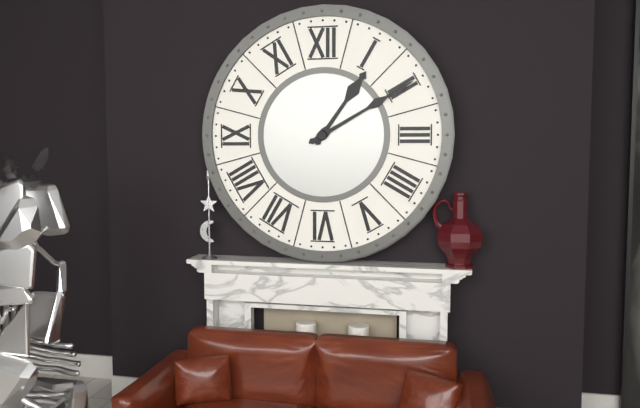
**1:10**
